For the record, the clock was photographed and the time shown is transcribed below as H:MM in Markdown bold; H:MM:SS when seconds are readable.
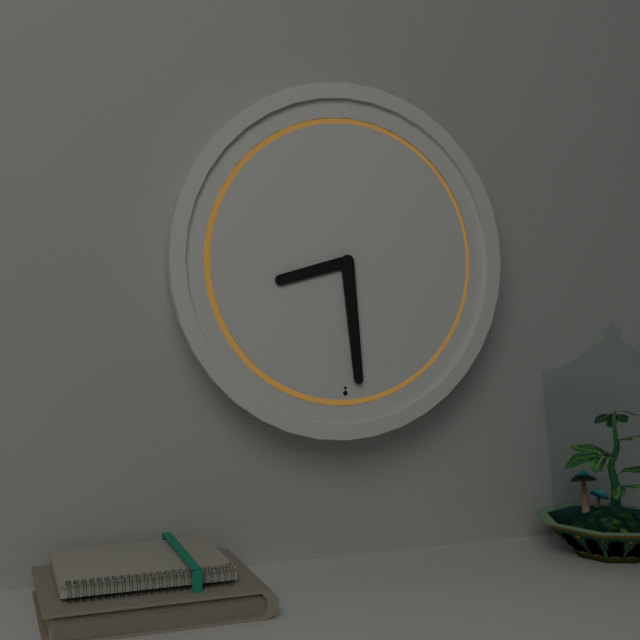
**8:29**
